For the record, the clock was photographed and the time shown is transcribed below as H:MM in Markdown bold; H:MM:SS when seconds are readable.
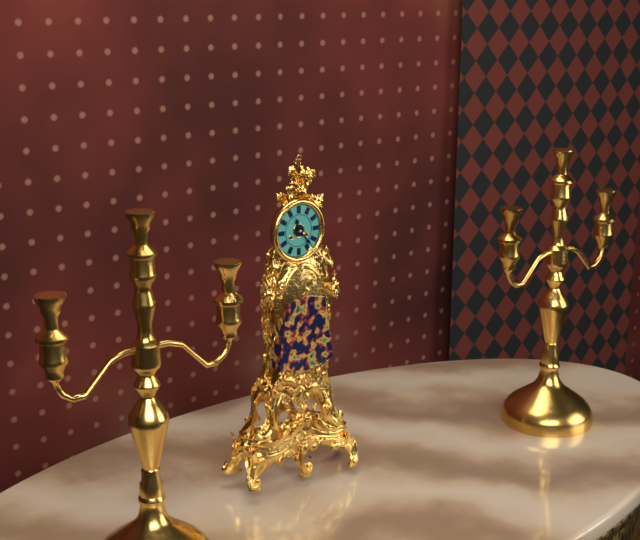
**11:23**
